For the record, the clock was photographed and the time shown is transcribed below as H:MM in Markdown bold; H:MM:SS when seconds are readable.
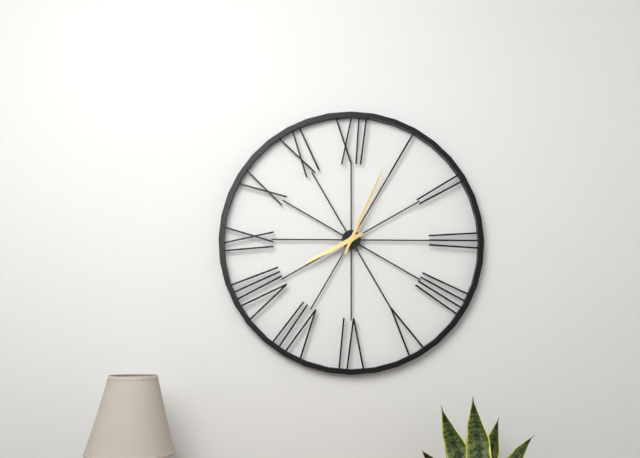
**8:04**
